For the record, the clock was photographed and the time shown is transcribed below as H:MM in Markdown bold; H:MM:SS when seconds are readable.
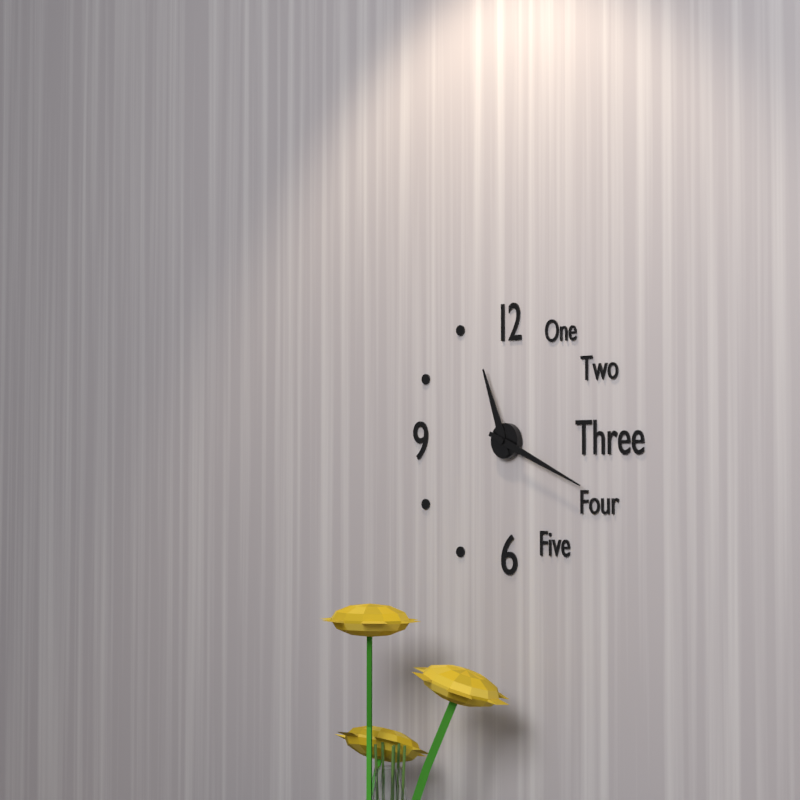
**11:19**
